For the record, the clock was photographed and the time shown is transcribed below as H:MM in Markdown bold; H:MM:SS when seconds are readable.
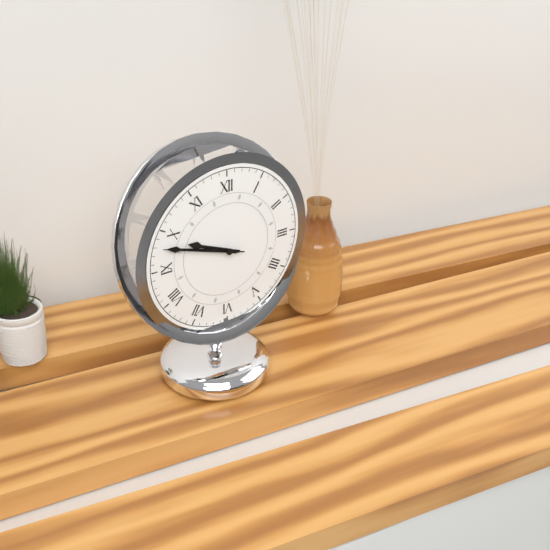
**9:48:48**
